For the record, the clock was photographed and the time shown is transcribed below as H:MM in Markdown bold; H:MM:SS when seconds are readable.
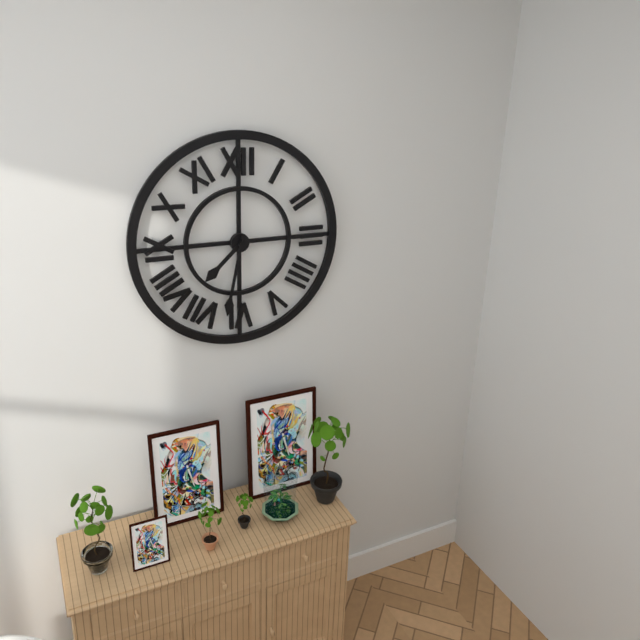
**7:32**
